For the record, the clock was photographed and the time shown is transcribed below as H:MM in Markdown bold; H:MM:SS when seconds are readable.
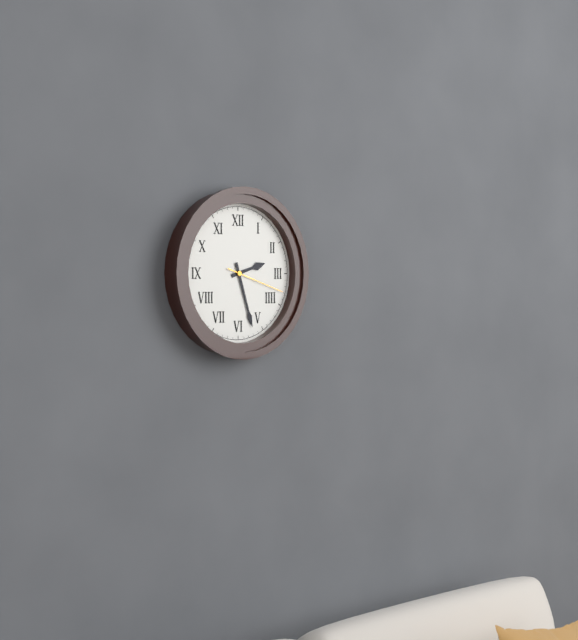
**2:27:18**
